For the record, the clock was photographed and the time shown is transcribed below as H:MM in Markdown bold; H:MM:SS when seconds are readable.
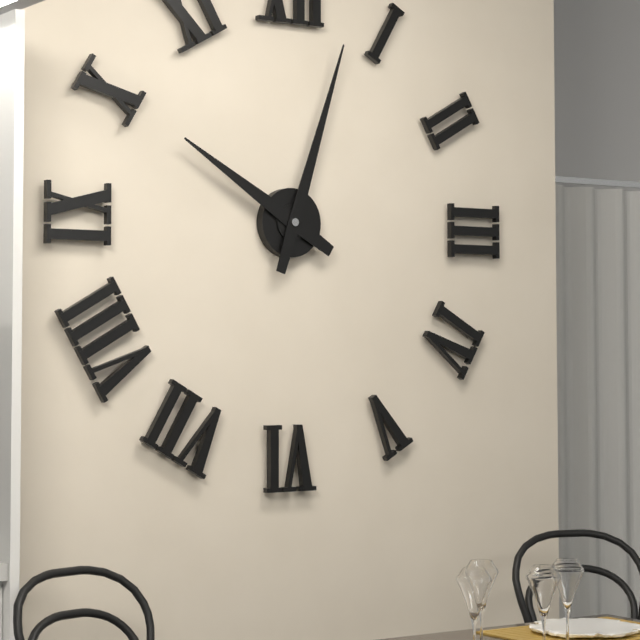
**10:03**
